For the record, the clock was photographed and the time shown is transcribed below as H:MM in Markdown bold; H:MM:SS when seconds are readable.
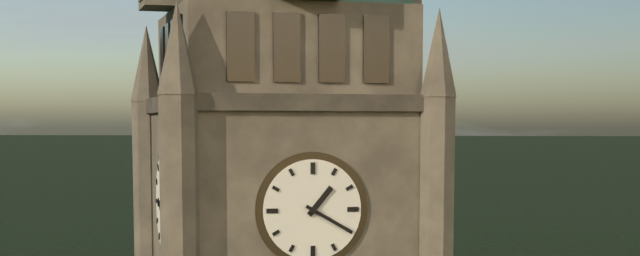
**1:20**
